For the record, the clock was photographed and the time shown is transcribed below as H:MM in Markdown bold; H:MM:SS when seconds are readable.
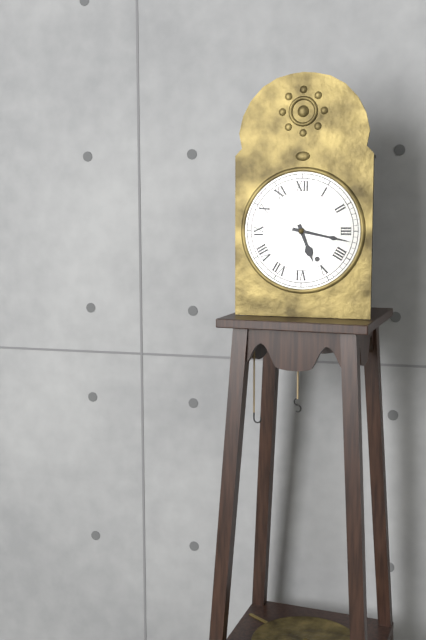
**5:17**
